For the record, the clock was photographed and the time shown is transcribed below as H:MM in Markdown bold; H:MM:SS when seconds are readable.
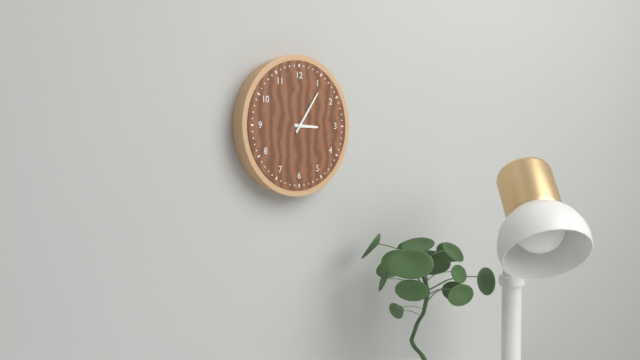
**3:06**
